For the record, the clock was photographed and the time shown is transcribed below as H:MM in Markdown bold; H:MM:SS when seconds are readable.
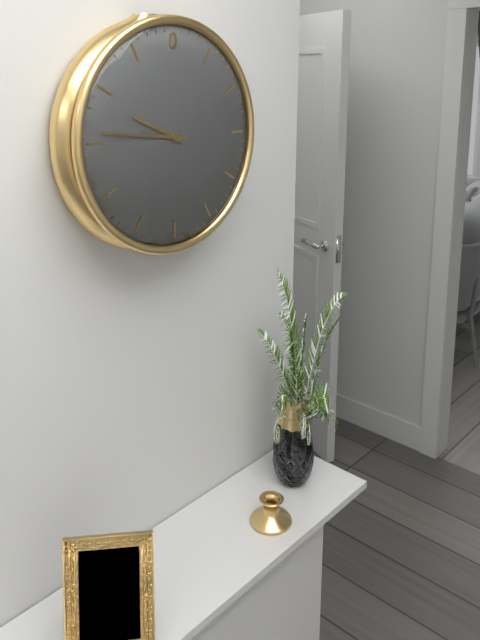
**9:46**
